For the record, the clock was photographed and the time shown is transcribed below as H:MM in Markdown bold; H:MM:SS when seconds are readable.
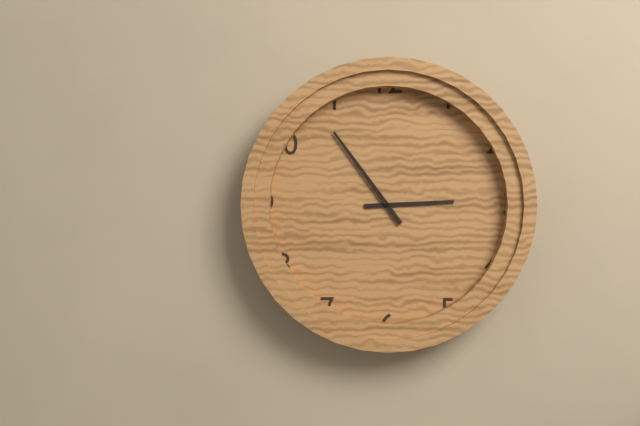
**2:54**
